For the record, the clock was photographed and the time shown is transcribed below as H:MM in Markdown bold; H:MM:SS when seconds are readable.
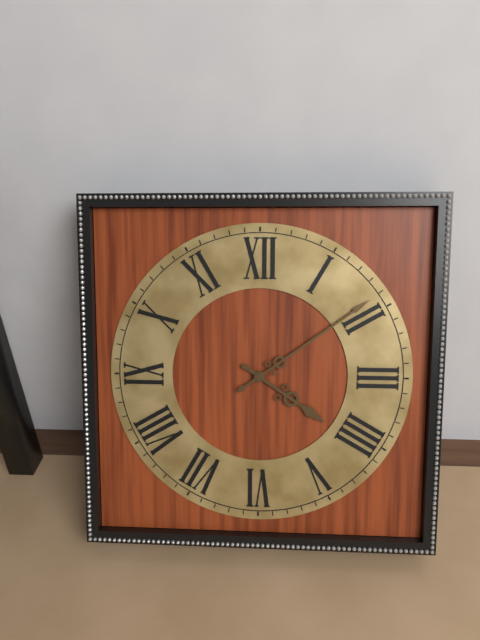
**4:09**
